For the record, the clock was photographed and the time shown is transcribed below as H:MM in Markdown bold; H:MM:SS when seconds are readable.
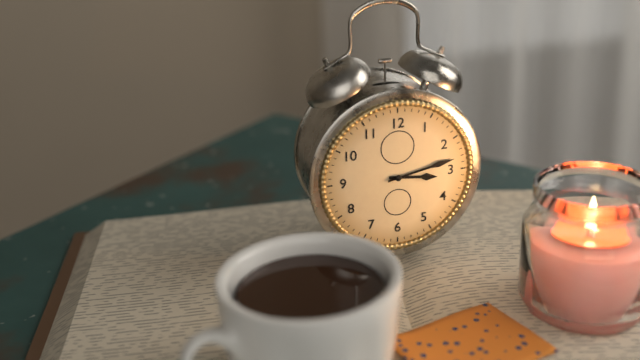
**3:13**
